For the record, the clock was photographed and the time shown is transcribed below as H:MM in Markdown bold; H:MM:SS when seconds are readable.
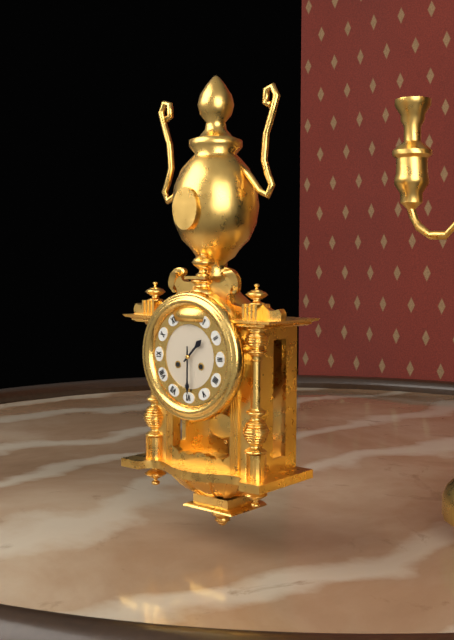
**1:30**
